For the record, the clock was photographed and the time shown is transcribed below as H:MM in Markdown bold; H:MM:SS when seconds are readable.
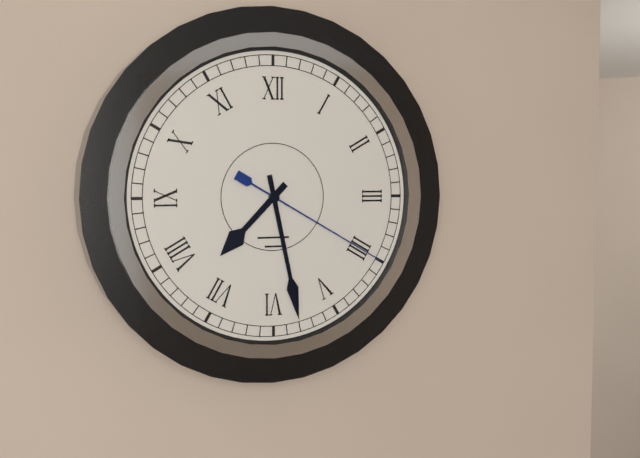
**7:28:20**
